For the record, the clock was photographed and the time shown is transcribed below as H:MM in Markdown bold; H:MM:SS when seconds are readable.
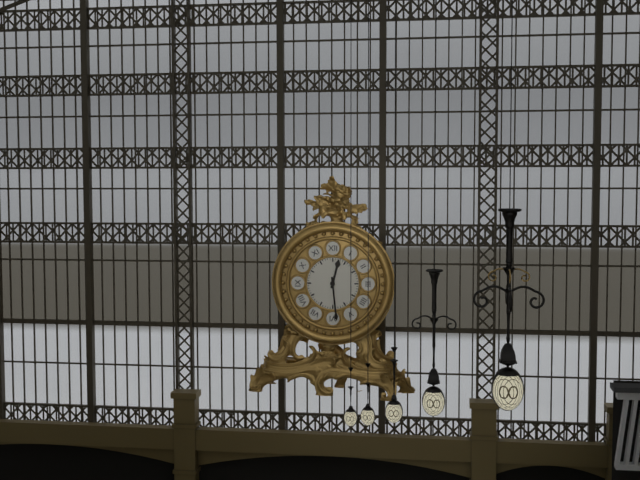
**12:29**
